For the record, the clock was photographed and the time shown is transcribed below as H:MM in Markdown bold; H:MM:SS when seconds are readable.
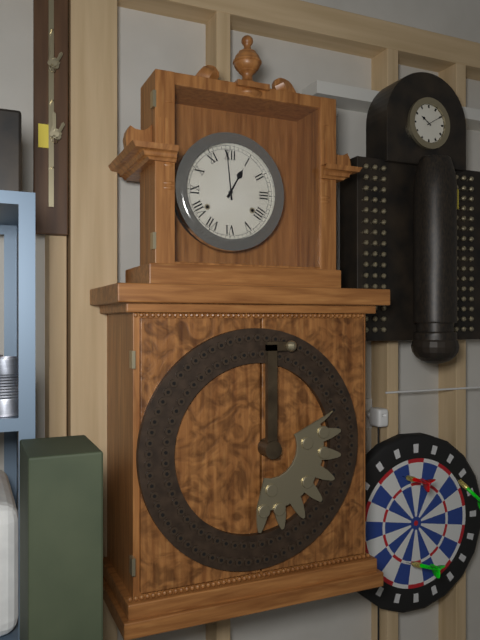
**12:59**
